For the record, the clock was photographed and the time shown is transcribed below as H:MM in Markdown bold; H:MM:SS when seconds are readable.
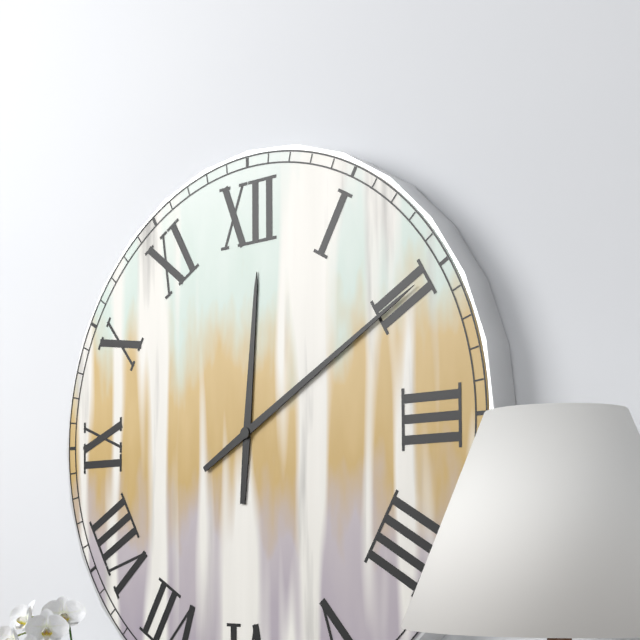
**12:10**
